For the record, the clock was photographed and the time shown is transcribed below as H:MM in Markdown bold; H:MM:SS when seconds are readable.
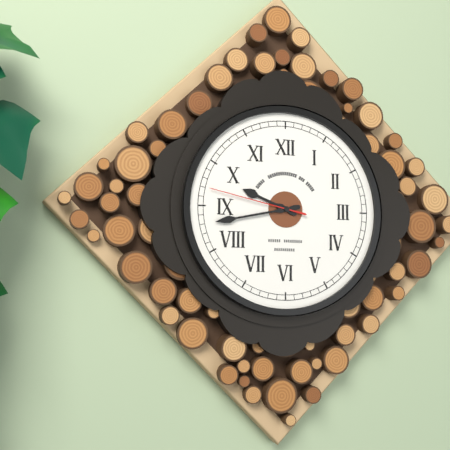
**9:43:47**
